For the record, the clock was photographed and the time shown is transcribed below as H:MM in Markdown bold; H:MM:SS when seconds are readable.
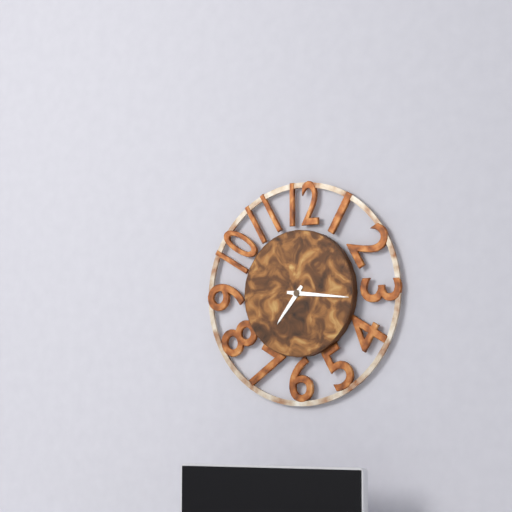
**7:16**
